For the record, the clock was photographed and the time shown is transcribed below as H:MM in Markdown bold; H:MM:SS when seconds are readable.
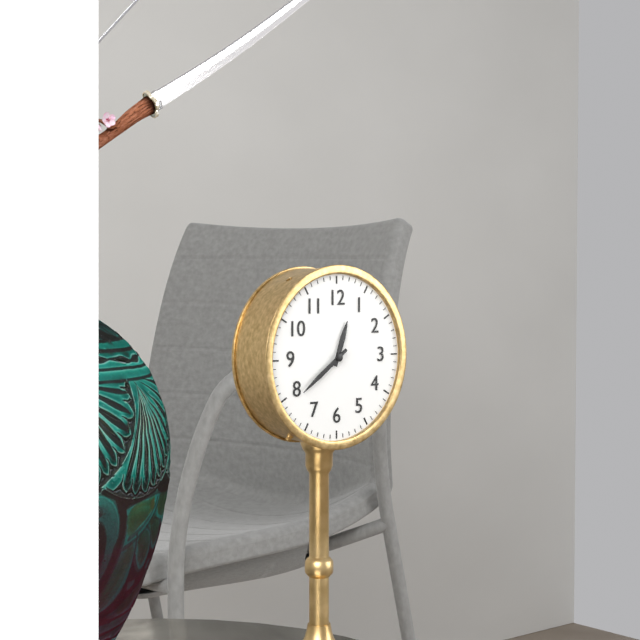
**12:39**
